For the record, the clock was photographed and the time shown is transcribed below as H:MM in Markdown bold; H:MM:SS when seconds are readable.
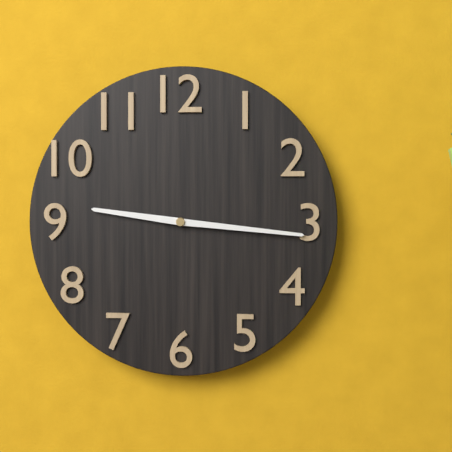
**9:16**
